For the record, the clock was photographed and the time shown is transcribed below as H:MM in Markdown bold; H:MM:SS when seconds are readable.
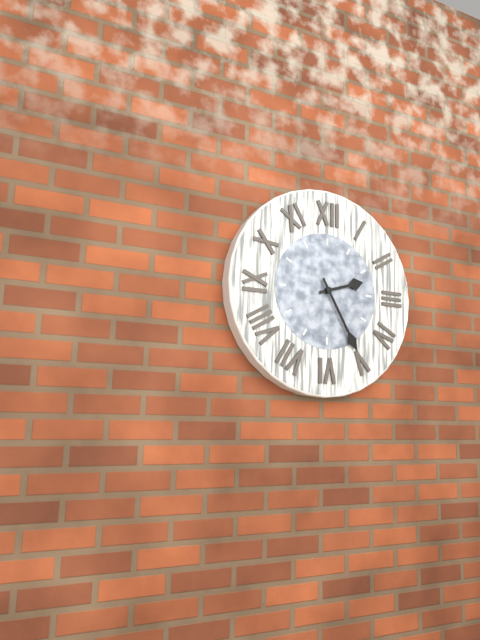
**2:25**
